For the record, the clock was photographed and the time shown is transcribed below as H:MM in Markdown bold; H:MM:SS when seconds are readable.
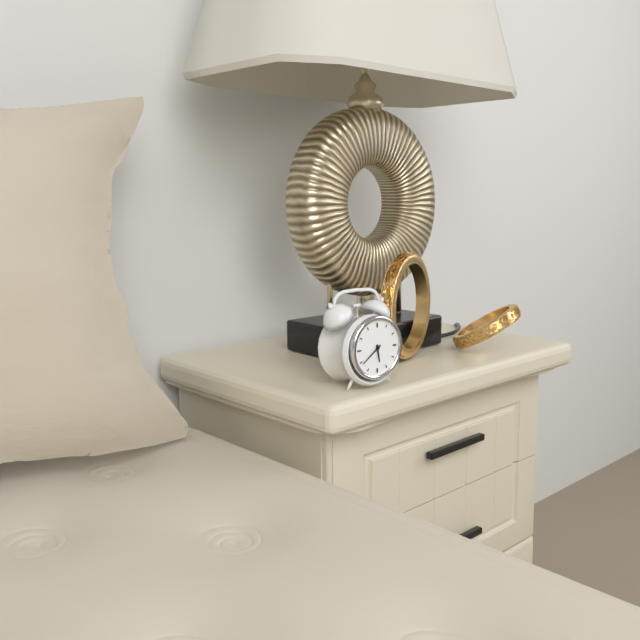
**5:39**
